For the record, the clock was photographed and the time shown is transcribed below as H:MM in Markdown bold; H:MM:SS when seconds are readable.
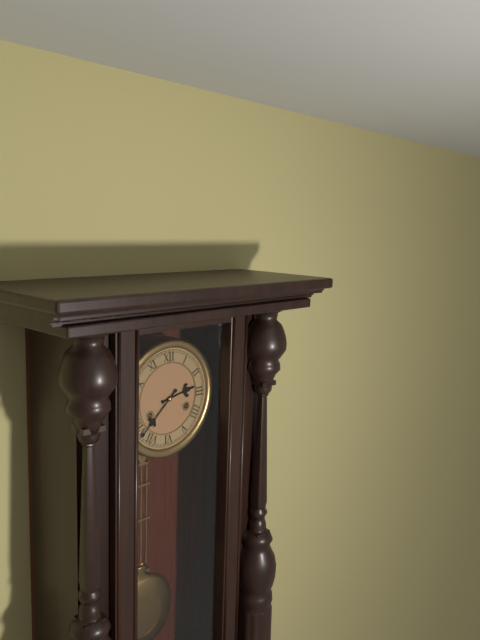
**2:38**
